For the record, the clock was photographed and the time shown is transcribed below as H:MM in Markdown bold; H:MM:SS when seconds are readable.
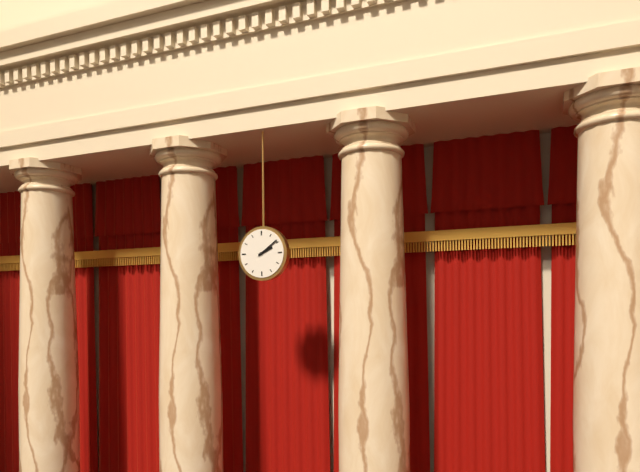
**2:09**
